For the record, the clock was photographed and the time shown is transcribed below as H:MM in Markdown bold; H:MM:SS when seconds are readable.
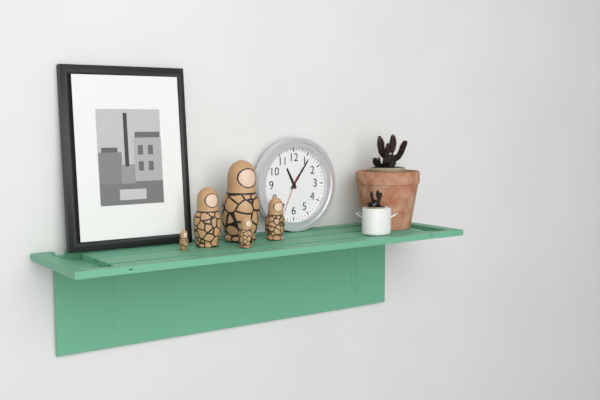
**11:06**
